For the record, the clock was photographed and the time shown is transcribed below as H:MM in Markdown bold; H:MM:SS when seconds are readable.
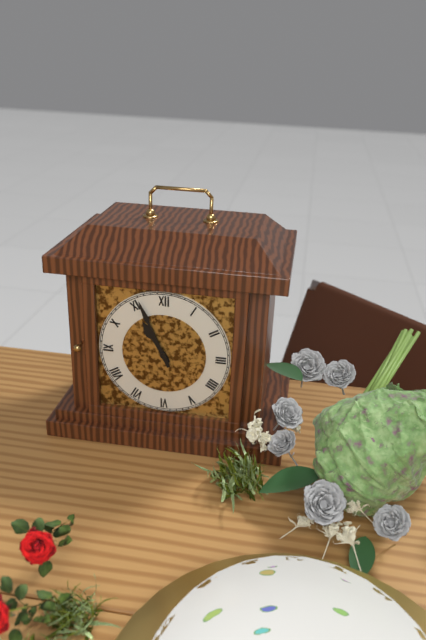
**10:56**
